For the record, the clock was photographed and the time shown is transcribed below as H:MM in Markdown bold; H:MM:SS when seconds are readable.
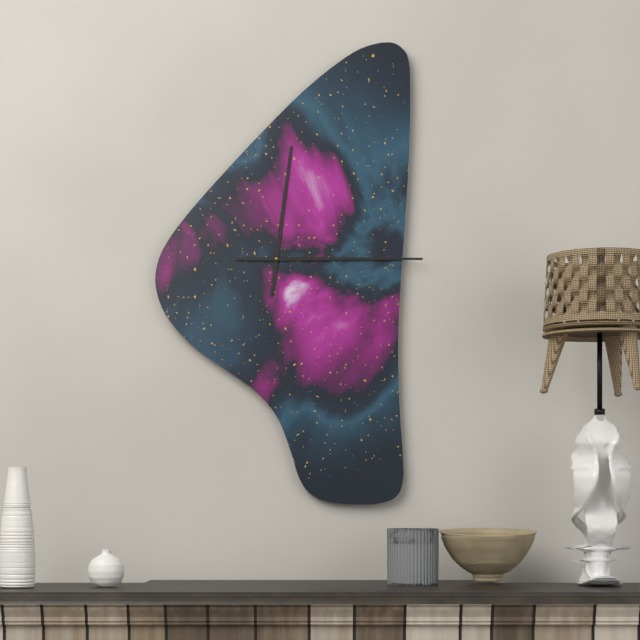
**12:15**
